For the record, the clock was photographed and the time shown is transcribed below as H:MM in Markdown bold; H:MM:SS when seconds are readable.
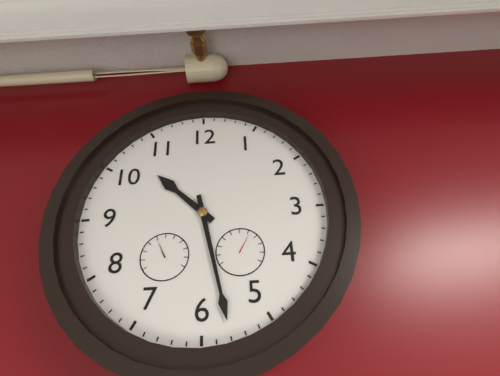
**10:28**
